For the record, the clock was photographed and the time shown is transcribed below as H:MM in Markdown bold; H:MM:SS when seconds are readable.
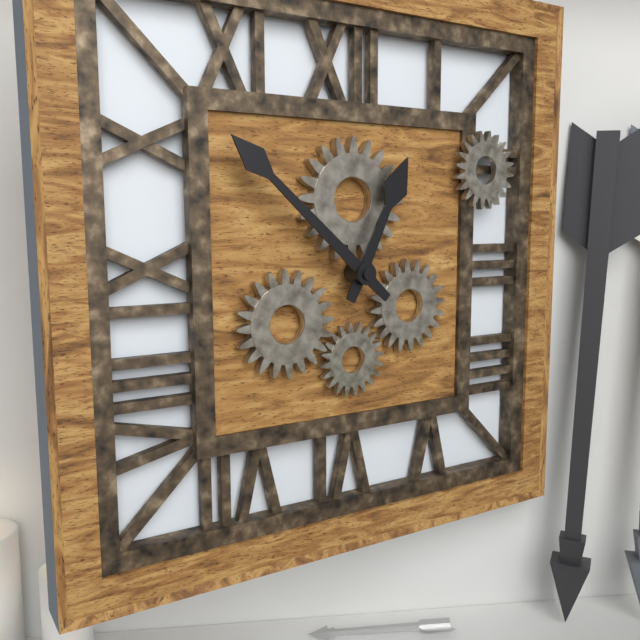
**12:52**
